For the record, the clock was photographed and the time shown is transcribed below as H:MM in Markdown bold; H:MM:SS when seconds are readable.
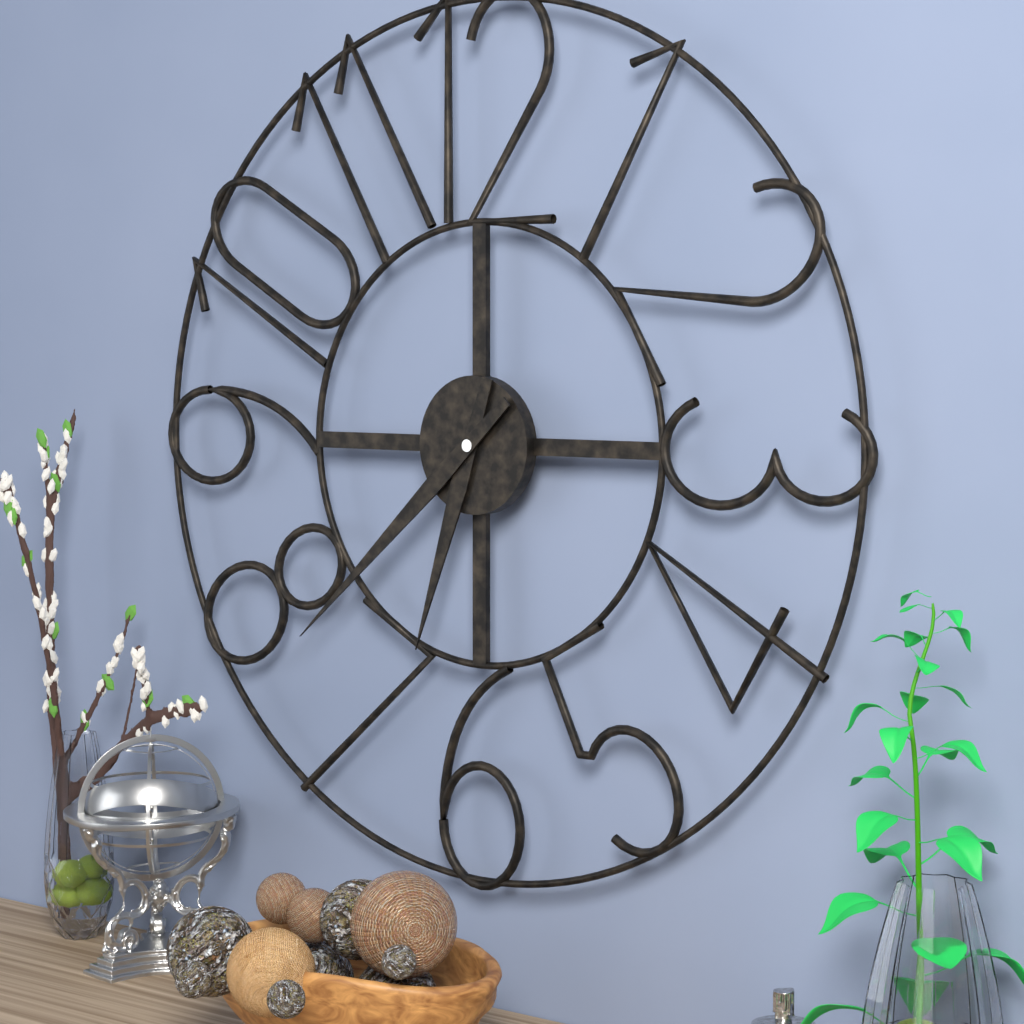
**6:38**
